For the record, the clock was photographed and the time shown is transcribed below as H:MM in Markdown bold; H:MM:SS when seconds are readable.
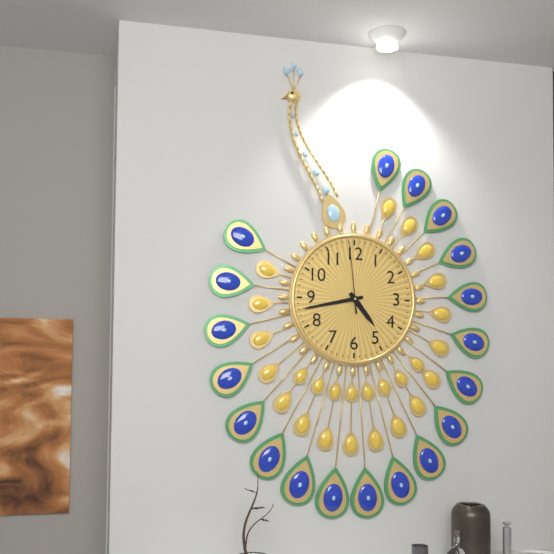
**4:43:59**
